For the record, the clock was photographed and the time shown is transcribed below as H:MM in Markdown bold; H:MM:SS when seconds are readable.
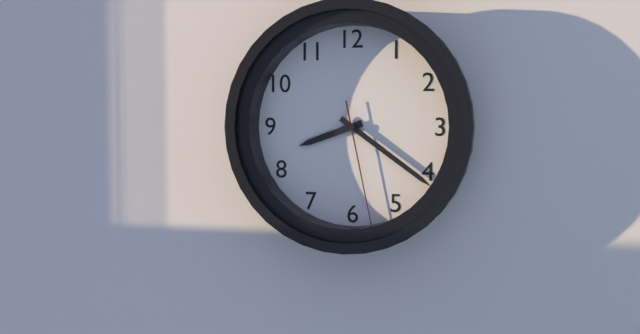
**8:21:28**
